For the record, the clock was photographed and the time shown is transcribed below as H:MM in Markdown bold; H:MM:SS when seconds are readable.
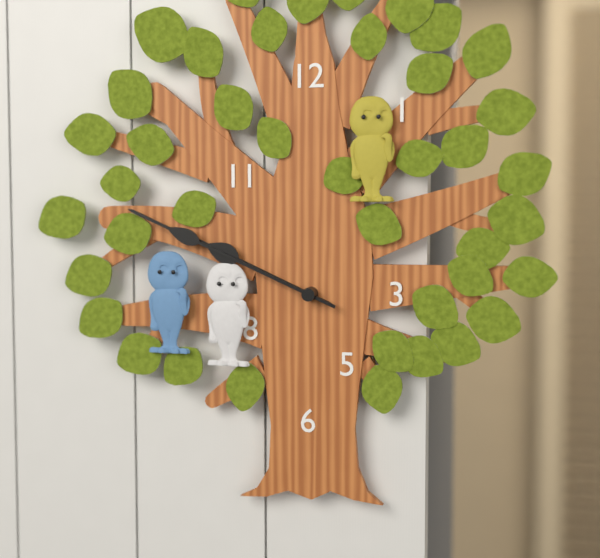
**9:49**
